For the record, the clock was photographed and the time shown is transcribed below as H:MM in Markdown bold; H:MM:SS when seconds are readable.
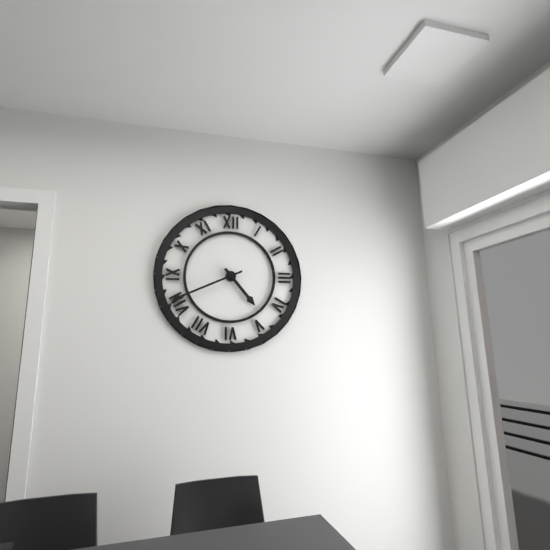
**4:41**
